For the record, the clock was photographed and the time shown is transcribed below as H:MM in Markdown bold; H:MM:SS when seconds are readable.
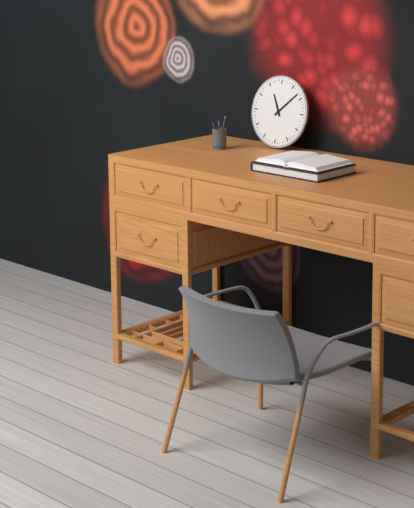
**11:08**
